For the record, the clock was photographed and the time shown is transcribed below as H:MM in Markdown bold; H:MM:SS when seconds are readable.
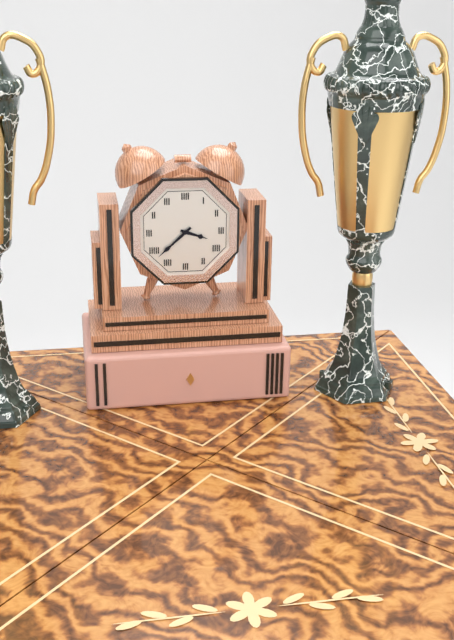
**3:38**
